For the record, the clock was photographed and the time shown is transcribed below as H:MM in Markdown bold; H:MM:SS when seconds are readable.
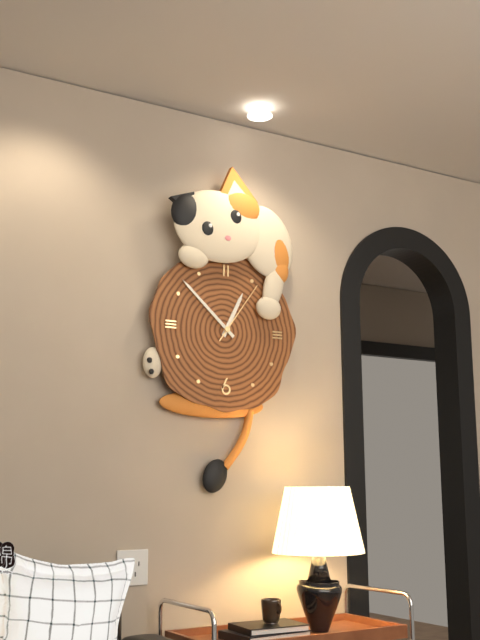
**12:52:06**
